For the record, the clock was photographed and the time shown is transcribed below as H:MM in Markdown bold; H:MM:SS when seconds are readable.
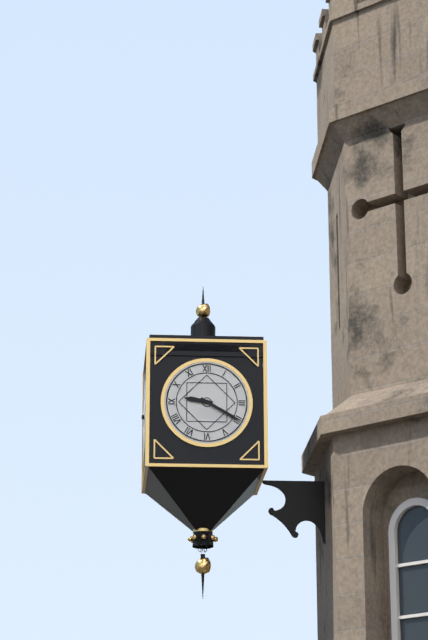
**9:20**
